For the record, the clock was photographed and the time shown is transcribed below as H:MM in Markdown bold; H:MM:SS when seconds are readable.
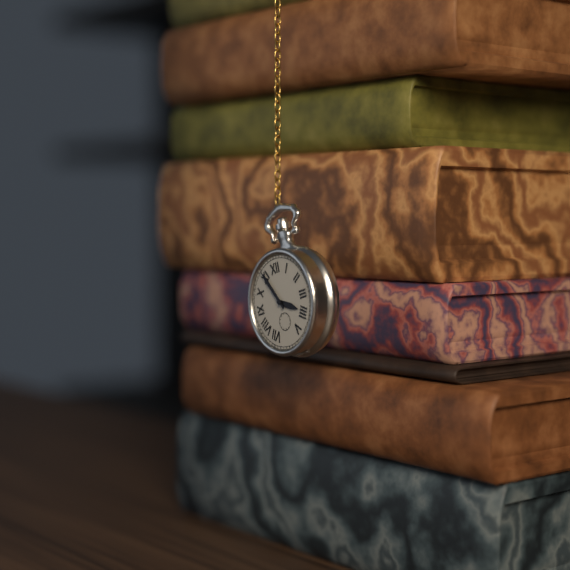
**3:55**
